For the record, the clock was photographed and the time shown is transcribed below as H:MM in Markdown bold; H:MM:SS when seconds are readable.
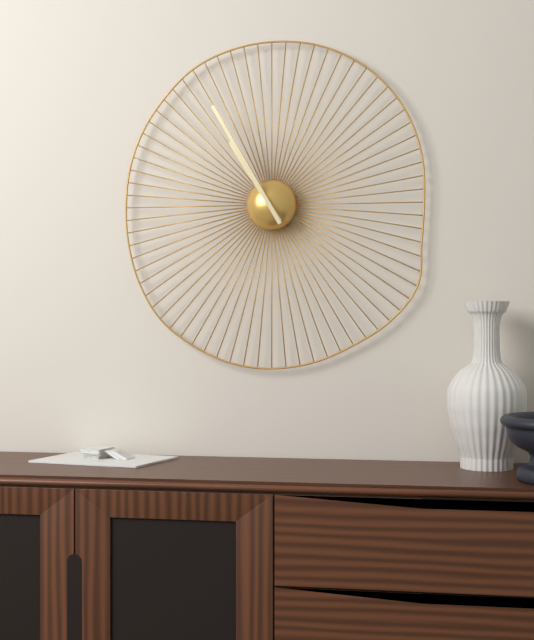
**10:55**
